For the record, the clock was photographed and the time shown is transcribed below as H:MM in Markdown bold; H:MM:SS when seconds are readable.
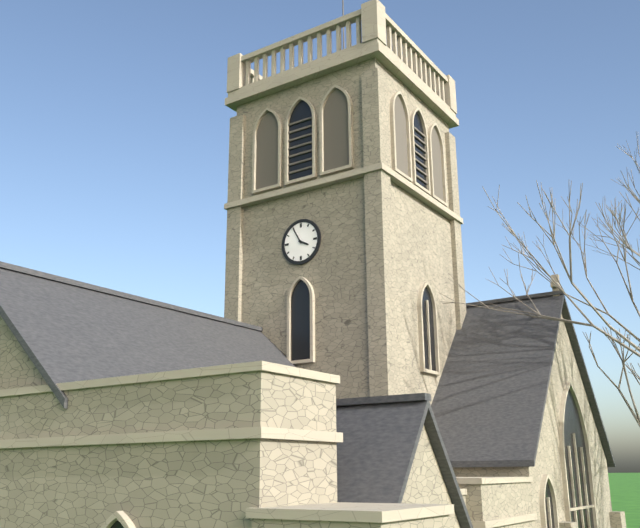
**3:55**
